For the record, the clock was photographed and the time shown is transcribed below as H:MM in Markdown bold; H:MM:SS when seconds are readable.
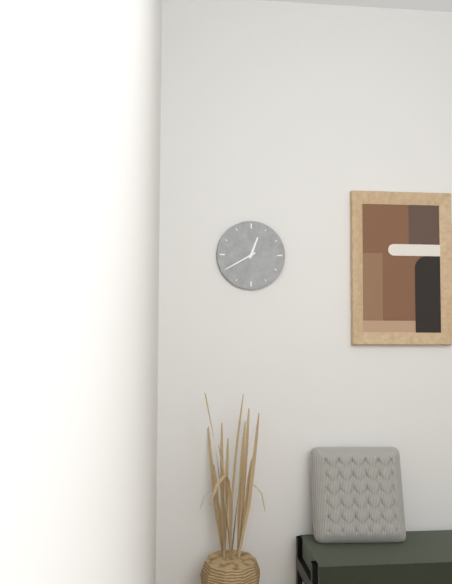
**12:40**
